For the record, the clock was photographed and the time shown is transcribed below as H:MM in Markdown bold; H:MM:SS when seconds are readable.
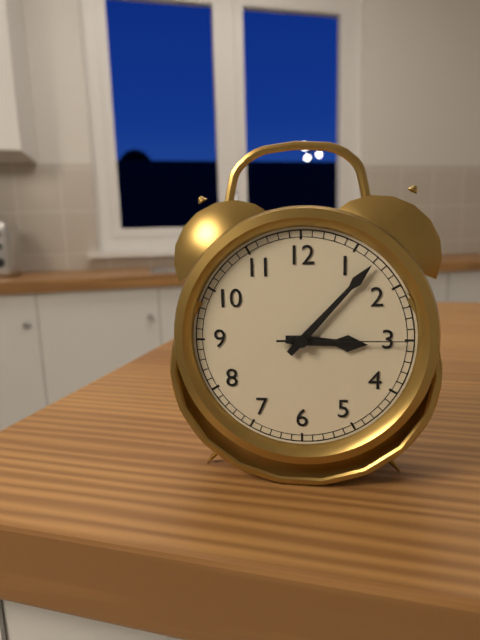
**3:07:15**
